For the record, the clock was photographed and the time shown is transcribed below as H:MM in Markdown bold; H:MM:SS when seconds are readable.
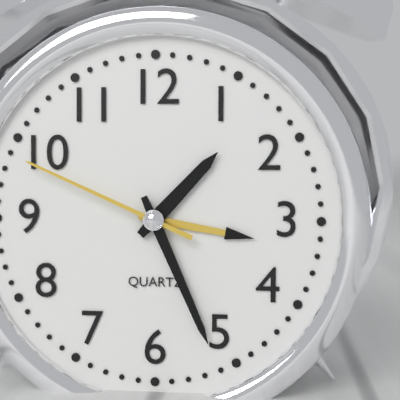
**1:26:49**
